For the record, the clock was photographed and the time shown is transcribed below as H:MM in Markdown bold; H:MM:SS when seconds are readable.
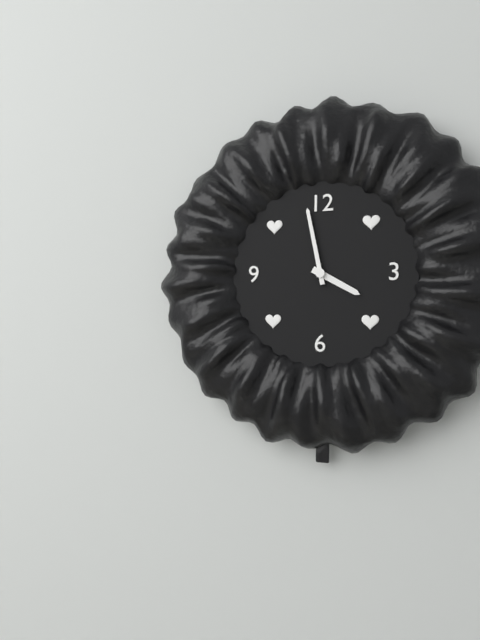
**3:58**
